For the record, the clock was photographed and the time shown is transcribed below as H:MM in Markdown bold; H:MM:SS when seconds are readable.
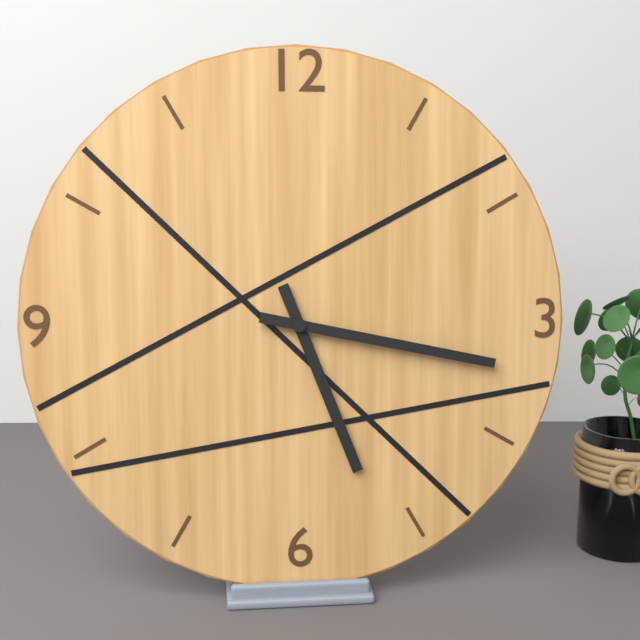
**5:17**
